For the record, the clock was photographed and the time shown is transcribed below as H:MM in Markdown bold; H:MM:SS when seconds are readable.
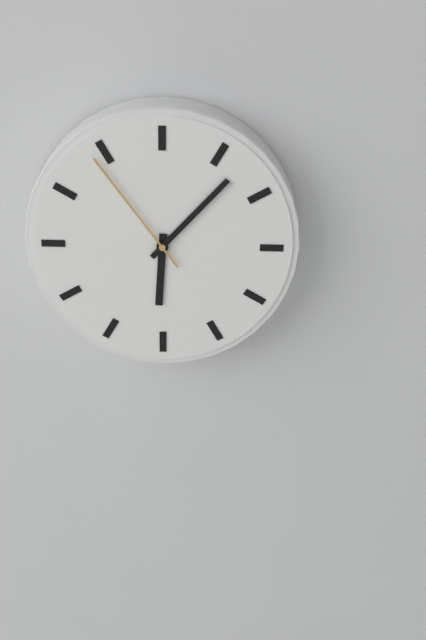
**6:07:54**
